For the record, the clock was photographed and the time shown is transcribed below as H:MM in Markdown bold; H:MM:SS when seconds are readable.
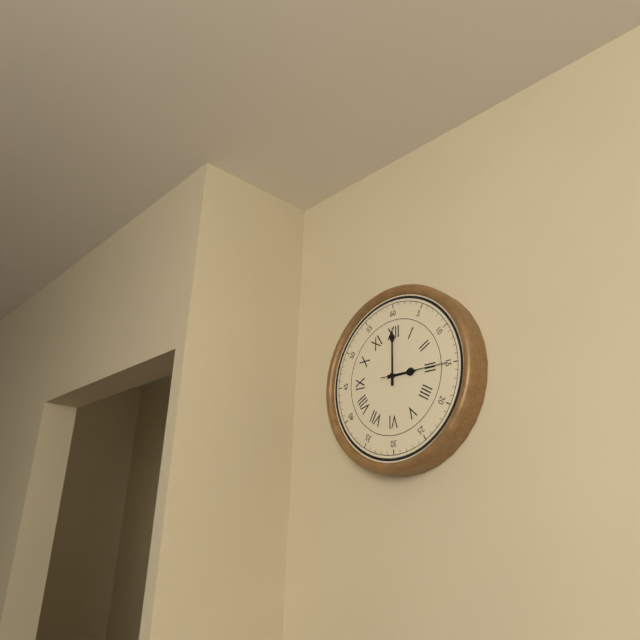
**3:00:15**
